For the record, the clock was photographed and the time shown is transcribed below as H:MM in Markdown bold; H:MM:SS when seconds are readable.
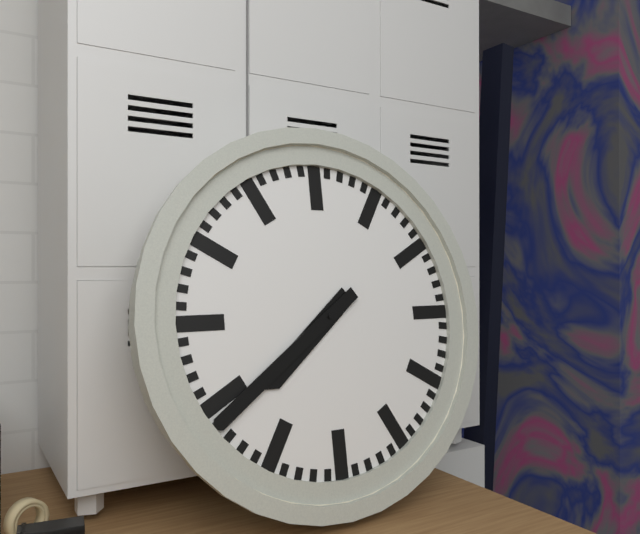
**7:39**
